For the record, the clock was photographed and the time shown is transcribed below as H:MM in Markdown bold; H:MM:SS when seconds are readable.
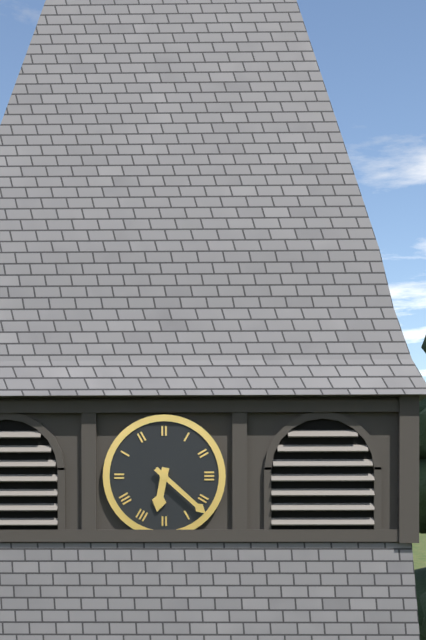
**6:22**
